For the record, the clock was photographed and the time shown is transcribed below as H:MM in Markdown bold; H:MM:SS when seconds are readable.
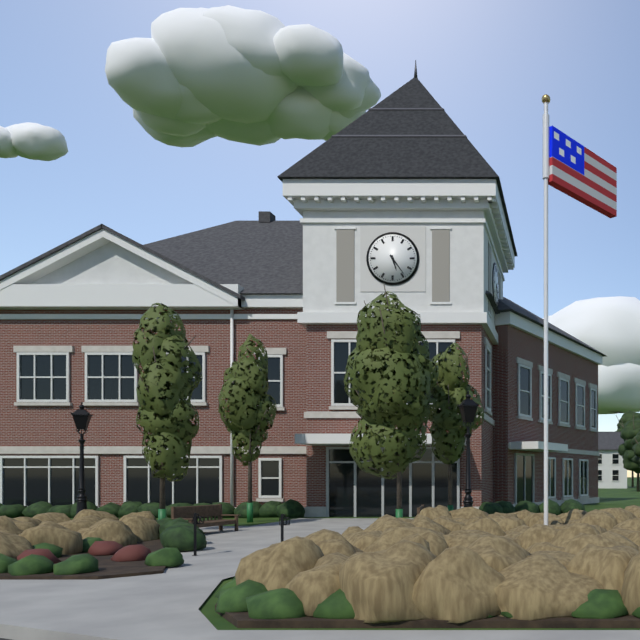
**5:24**
